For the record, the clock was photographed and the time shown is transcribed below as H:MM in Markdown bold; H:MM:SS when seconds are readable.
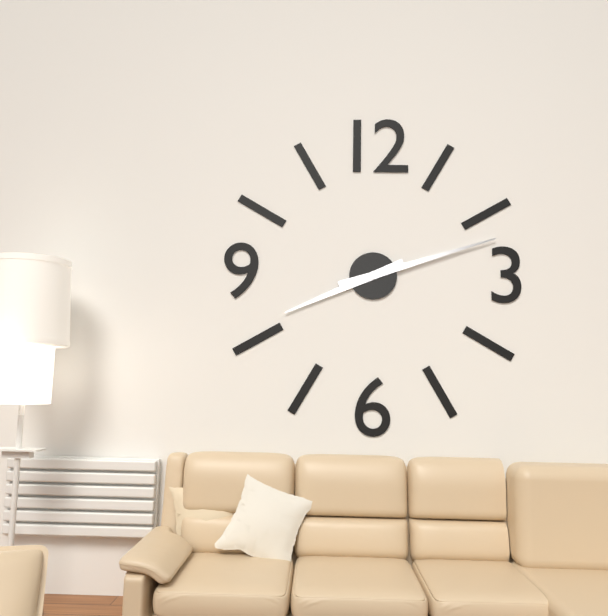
**8:12**
